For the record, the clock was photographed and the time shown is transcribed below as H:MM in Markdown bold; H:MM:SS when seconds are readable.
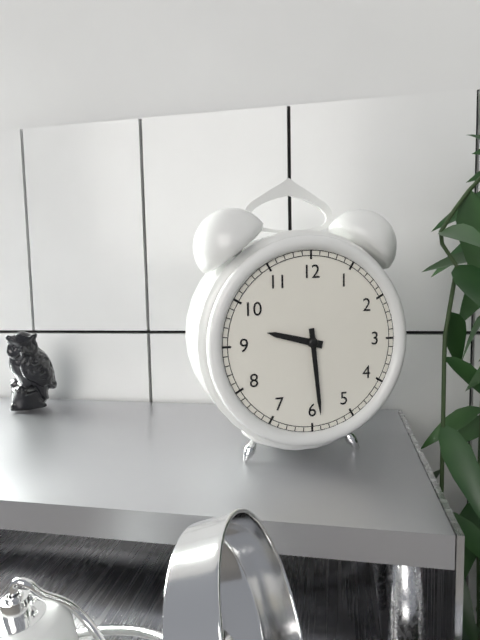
**9:29**
